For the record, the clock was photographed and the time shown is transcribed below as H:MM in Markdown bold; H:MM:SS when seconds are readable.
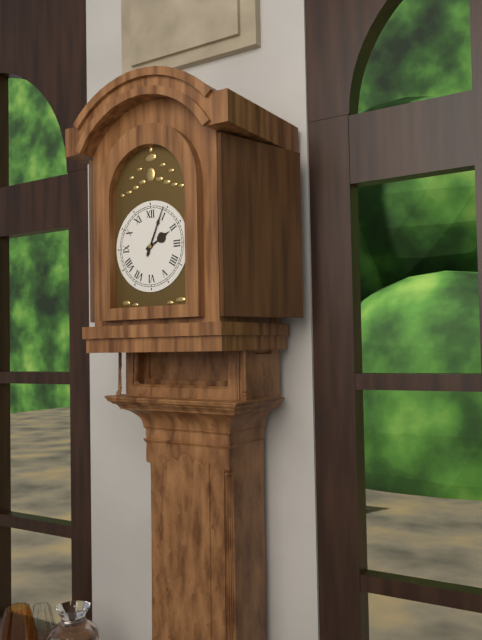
**2:04**
